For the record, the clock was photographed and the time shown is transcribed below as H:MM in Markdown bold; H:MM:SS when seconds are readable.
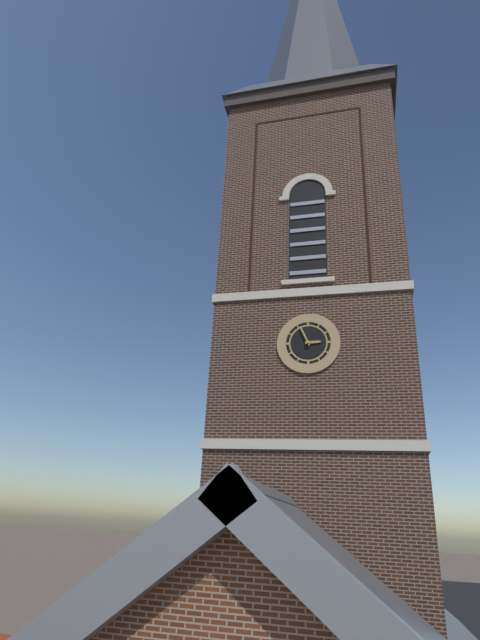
**2:56**
